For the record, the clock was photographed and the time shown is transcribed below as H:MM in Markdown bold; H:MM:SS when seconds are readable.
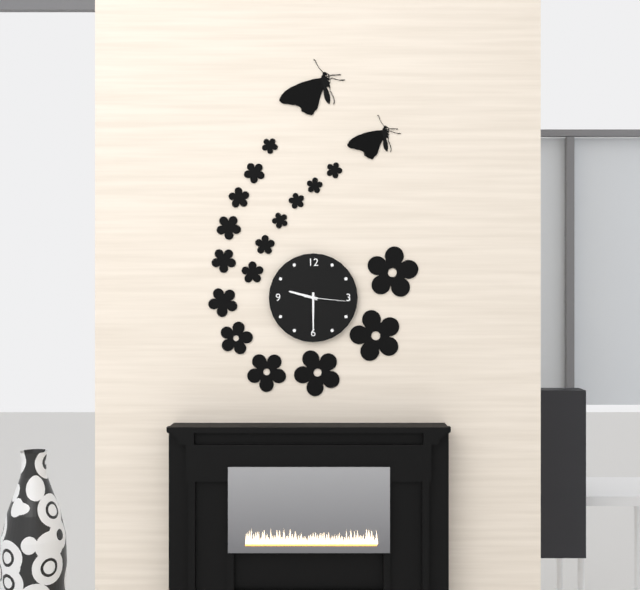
**9:30**
